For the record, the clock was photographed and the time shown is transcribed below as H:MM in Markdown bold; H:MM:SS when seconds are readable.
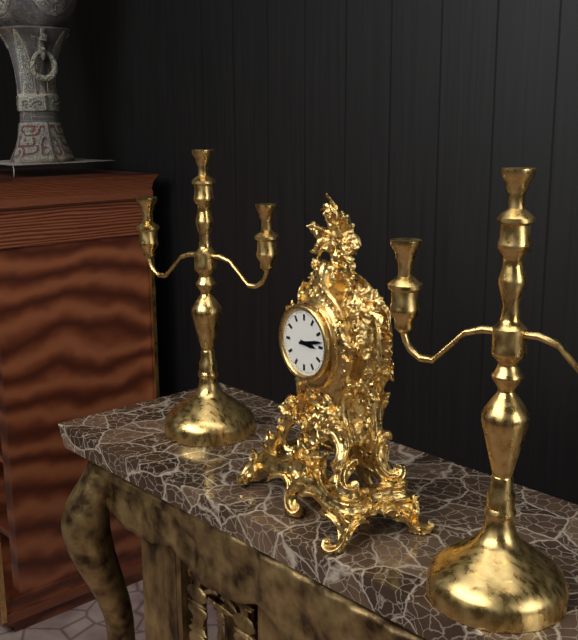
**3:13**
